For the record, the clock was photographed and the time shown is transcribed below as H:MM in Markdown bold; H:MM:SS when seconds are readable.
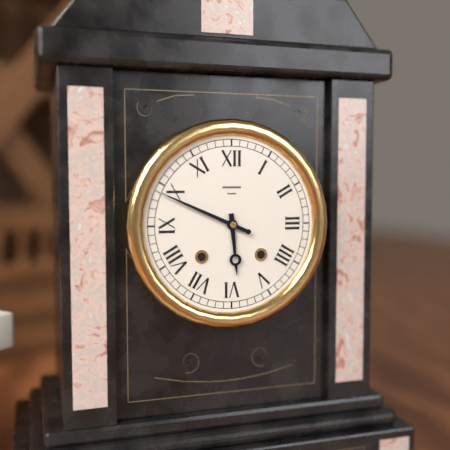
**5:49**
